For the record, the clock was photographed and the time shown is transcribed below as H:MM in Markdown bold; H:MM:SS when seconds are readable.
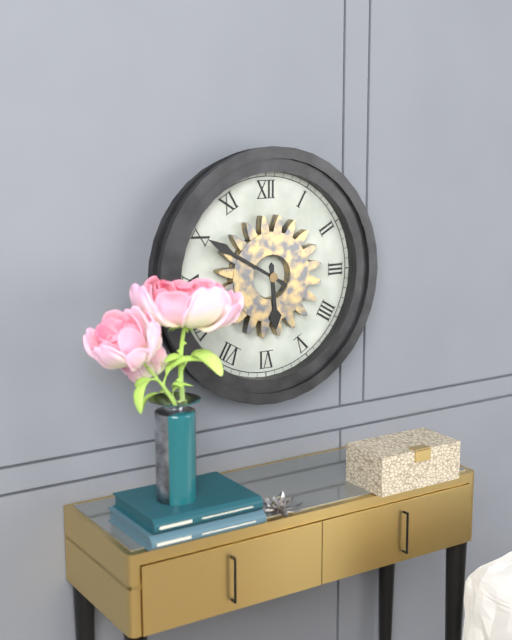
**5:50**
